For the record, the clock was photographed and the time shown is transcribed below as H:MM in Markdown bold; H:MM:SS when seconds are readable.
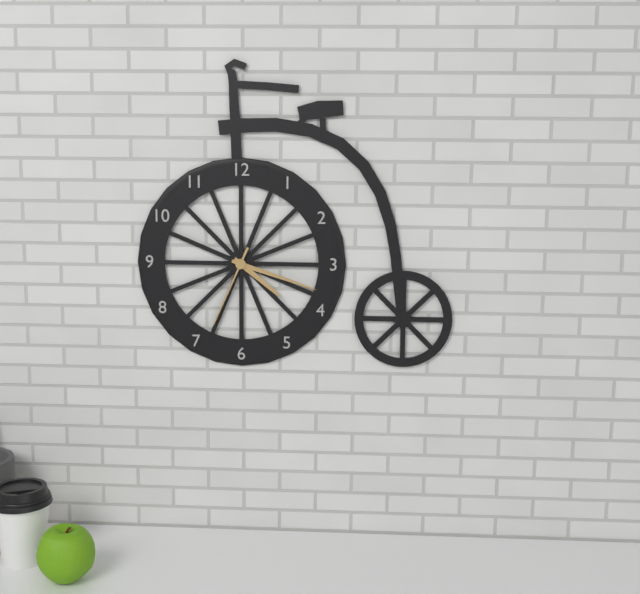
**4:18:34**
